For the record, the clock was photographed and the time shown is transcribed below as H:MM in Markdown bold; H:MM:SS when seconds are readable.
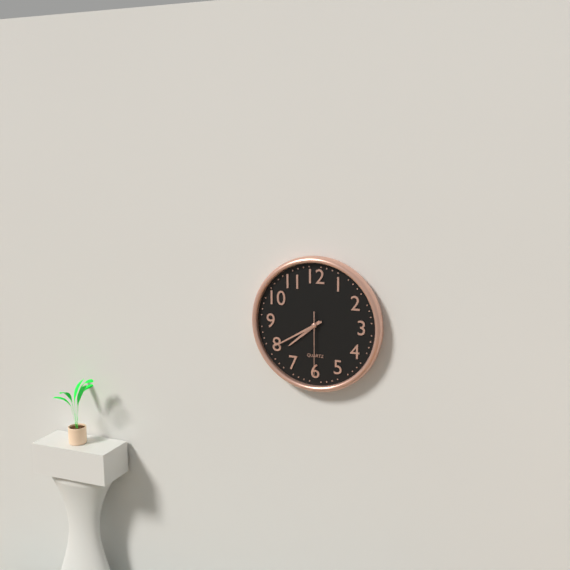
**7:40:30**
